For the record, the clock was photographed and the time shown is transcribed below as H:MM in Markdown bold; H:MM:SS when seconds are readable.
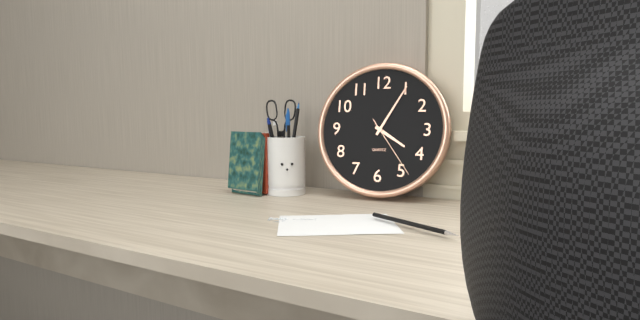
**4:05:24**
